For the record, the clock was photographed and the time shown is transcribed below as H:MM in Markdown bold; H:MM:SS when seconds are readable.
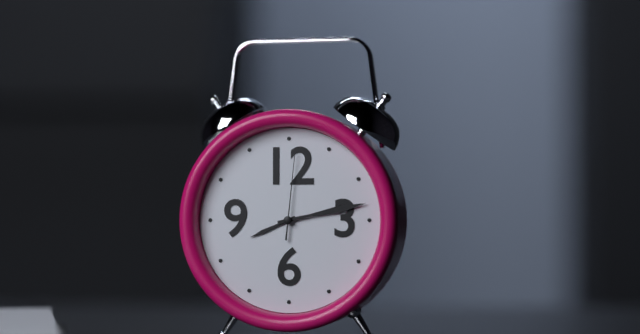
**8:13:01**
